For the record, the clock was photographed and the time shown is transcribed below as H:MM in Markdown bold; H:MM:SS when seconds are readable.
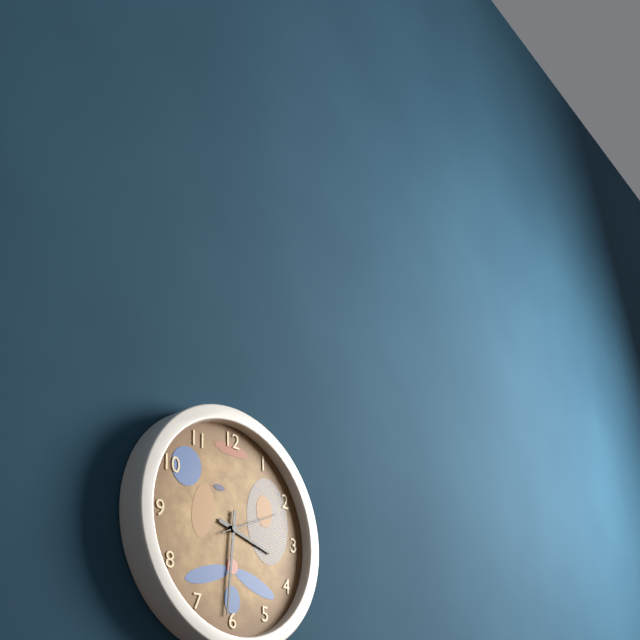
**3:31:11**
